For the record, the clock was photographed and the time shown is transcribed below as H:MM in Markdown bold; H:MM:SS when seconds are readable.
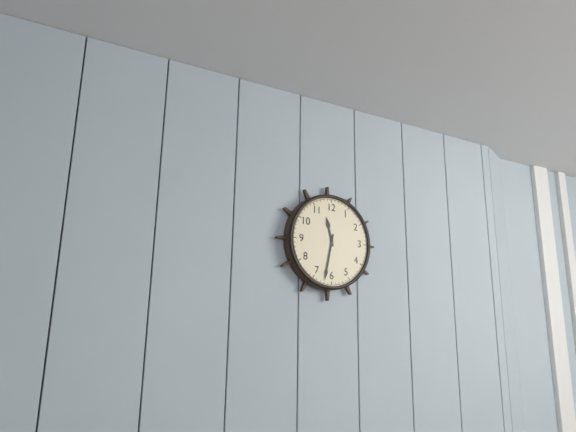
**11:32**
